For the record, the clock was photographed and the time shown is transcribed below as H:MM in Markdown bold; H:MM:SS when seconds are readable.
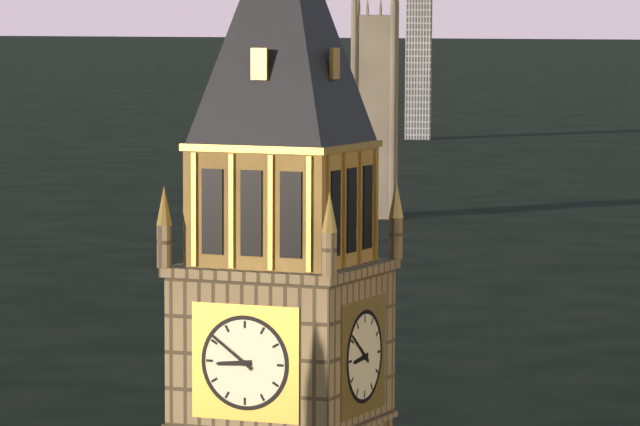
**8:51**
